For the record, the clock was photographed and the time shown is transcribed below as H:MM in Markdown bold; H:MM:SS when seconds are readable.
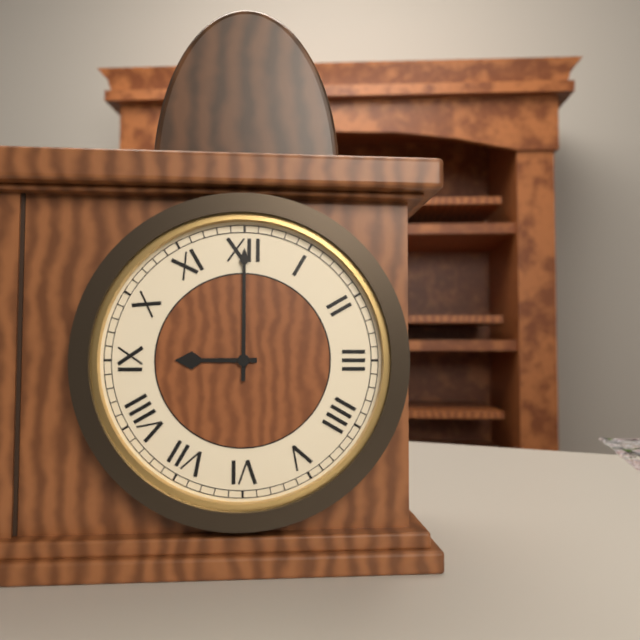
**9:00**
